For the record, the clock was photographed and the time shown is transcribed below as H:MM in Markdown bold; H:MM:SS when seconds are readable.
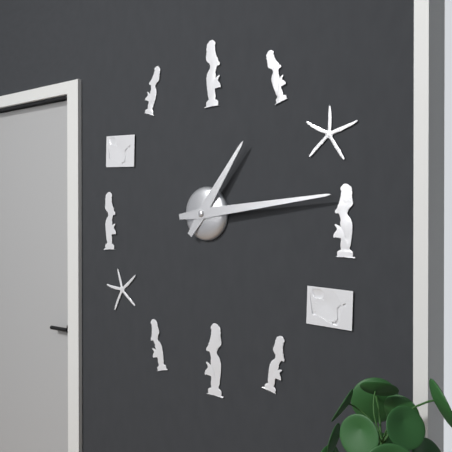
**1:14**
